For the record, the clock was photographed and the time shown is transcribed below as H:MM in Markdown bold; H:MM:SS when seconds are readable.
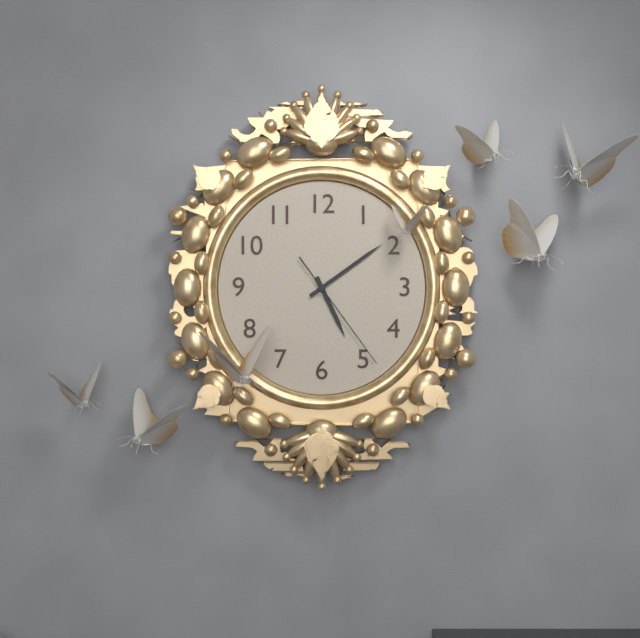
**5:09:24**
